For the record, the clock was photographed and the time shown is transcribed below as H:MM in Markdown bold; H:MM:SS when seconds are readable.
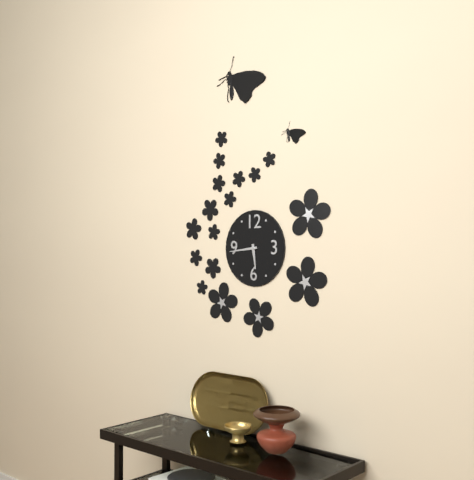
**5:44**
